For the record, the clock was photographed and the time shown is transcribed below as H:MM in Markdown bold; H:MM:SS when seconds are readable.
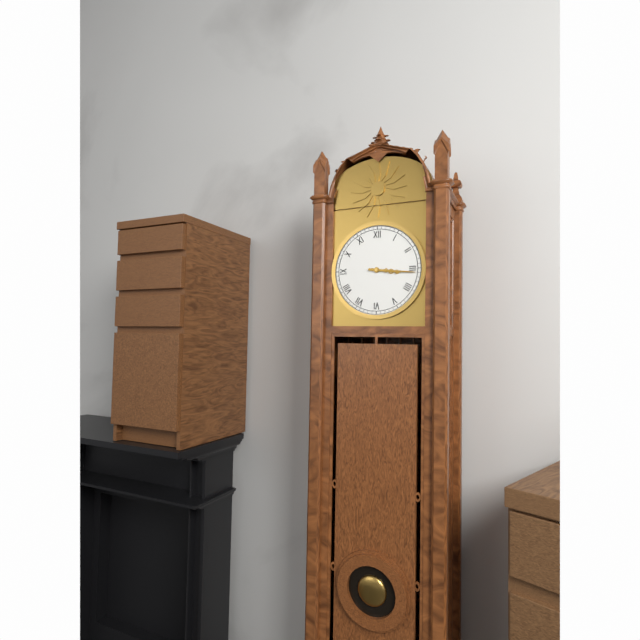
**3:16**
